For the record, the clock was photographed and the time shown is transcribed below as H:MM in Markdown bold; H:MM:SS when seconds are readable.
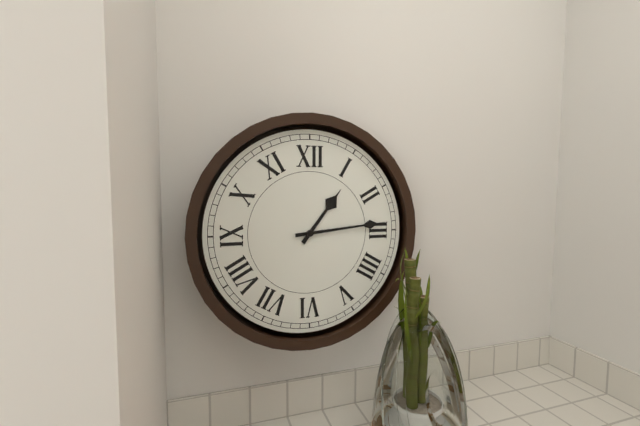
**1:14**
